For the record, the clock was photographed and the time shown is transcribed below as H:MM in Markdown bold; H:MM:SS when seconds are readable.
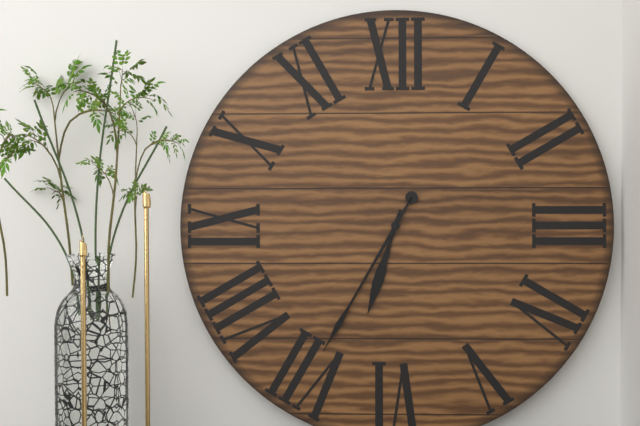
**6:35**
